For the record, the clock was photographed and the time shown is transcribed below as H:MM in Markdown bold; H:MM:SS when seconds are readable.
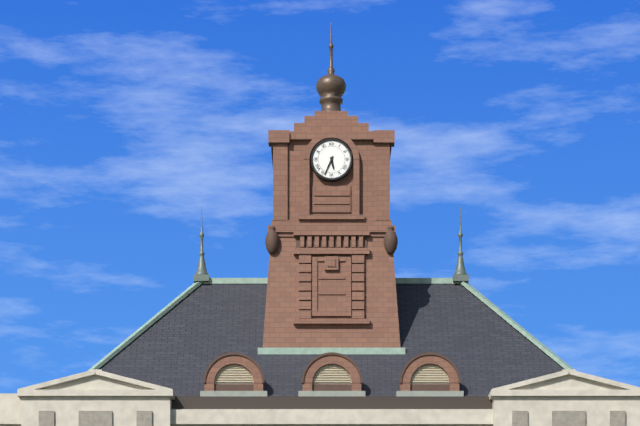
**5:34**
